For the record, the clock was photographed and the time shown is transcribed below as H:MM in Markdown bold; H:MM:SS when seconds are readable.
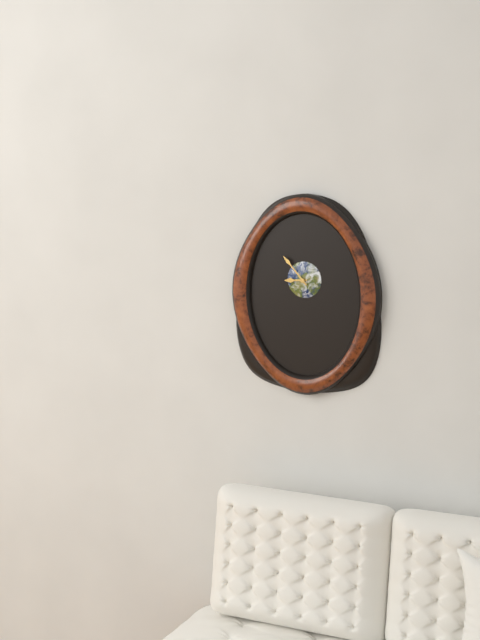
**8:53**
